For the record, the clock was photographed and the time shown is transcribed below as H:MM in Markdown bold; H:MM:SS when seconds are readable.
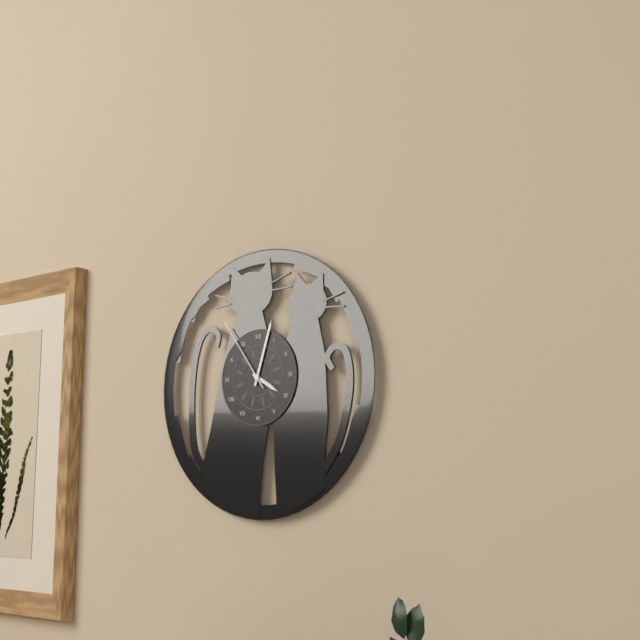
**4:03:54**
